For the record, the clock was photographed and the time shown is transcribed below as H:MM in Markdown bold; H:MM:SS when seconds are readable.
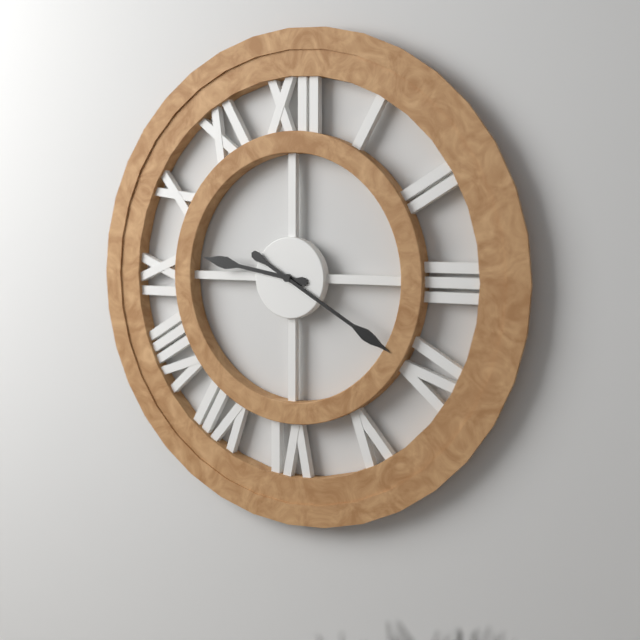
**9:20**
